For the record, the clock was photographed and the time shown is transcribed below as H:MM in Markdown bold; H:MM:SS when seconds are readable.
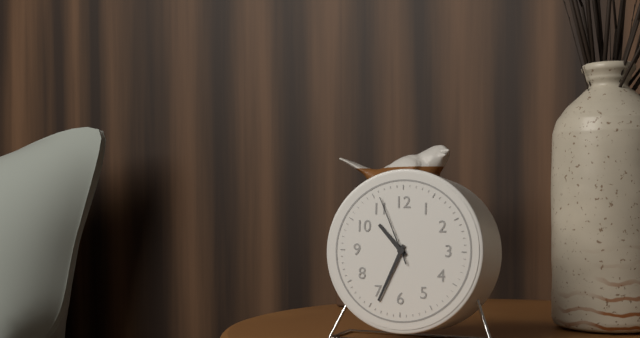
**10:34:56**
